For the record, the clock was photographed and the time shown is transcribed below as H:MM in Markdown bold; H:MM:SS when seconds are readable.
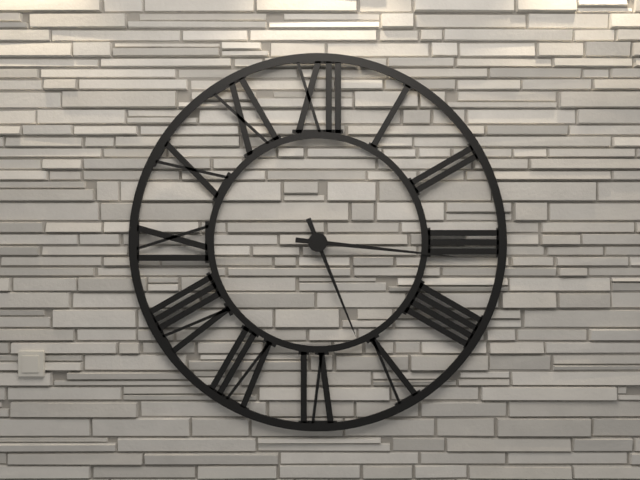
**5:16**
